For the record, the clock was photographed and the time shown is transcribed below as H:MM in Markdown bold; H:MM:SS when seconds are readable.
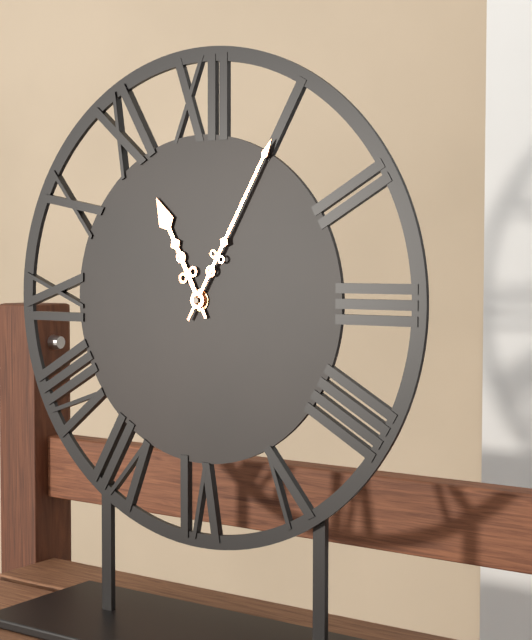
**11:05**
